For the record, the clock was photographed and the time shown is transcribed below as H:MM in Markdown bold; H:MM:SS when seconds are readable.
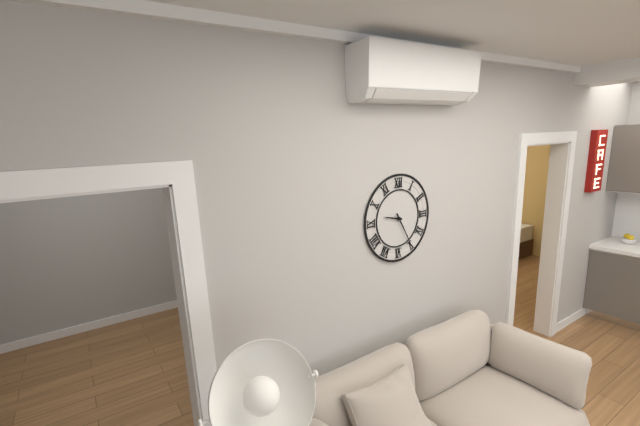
**9:25**
